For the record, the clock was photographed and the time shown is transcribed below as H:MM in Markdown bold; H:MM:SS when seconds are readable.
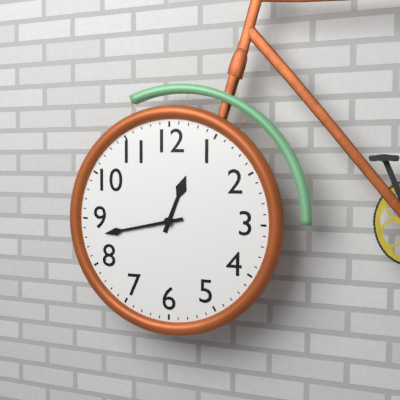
**12:43**
